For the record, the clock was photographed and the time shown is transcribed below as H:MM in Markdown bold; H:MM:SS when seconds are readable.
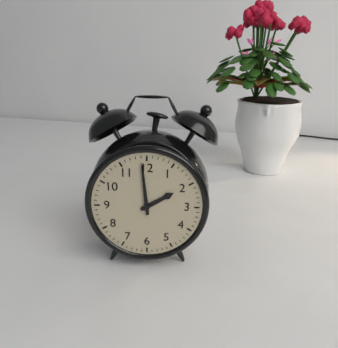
**1:59**
